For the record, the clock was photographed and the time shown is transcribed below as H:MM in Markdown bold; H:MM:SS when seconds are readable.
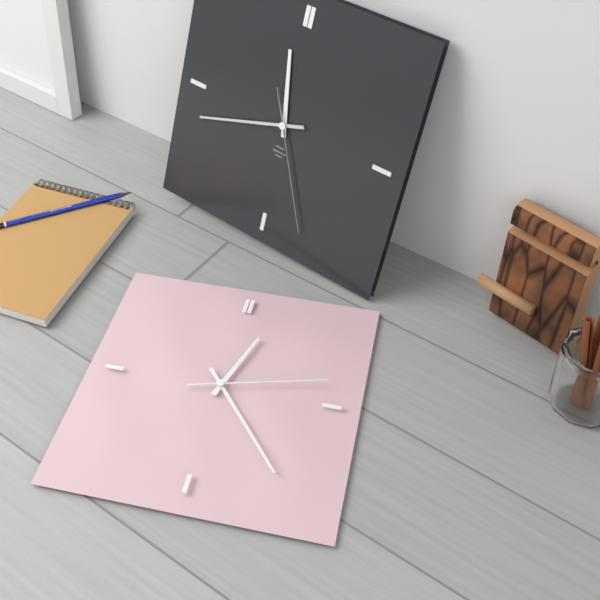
**11:42:26**
